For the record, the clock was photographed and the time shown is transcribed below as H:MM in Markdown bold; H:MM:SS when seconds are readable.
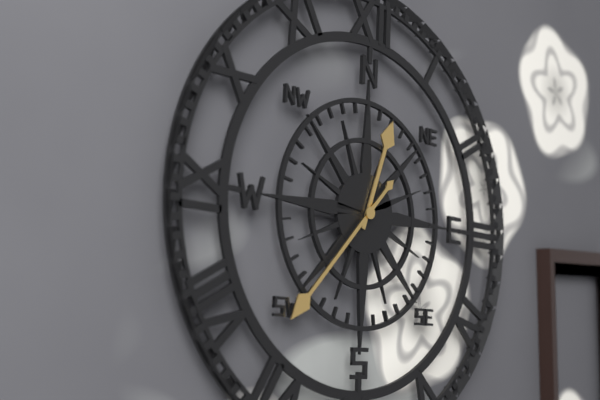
**12:37**
